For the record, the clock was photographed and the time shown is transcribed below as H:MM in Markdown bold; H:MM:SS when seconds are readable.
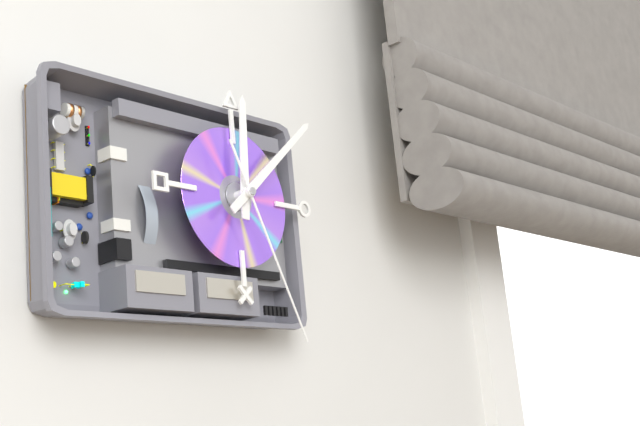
**12:08:26**
